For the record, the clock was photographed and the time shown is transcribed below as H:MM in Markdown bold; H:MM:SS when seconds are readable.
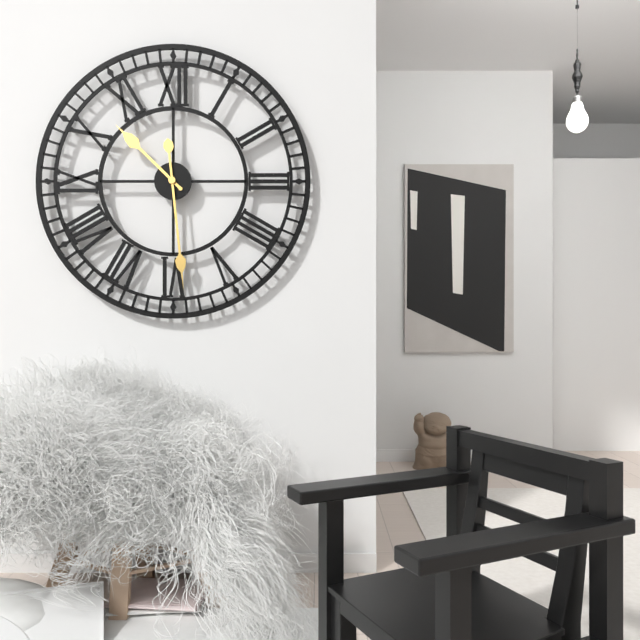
**10:29**
